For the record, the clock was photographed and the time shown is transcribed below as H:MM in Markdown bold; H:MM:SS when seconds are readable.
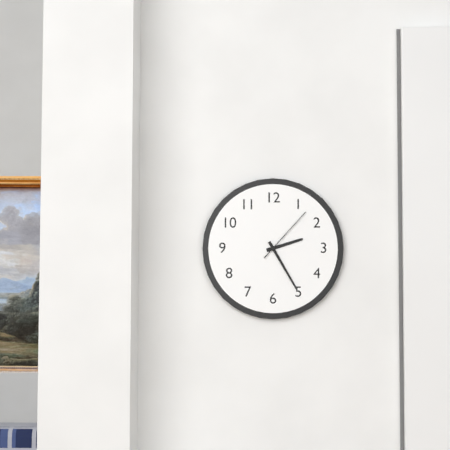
**2:25:07**
